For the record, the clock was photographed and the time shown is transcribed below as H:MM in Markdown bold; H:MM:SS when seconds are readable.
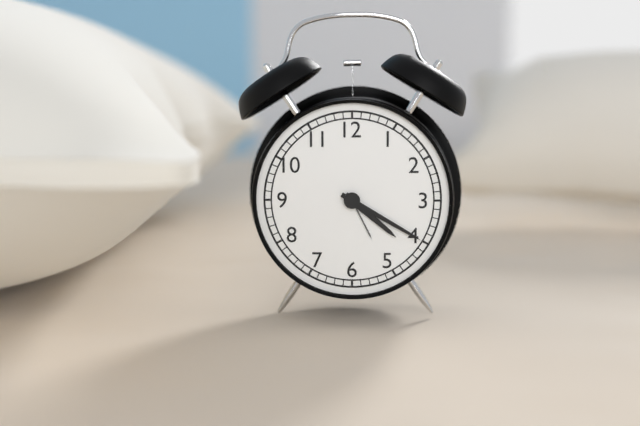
**4:20**
